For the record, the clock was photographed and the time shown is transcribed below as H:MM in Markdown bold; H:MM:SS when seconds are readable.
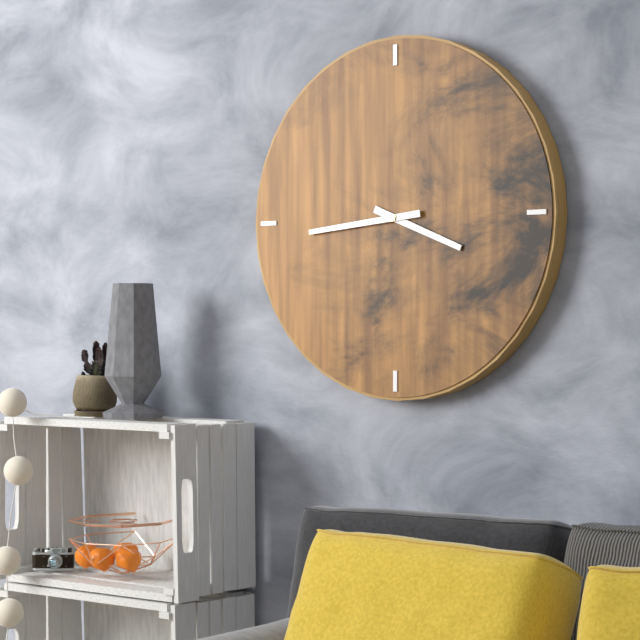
**3:44**
